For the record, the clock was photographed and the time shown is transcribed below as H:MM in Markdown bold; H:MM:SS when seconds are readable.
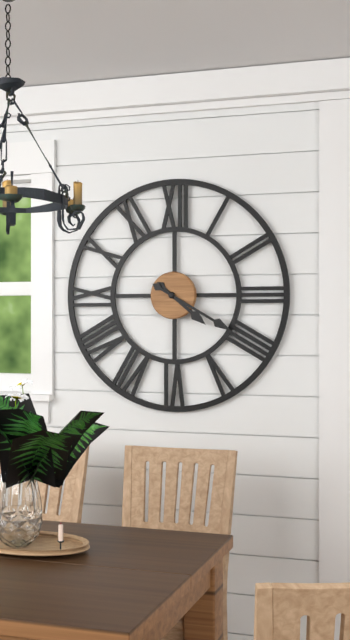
**4:20**
